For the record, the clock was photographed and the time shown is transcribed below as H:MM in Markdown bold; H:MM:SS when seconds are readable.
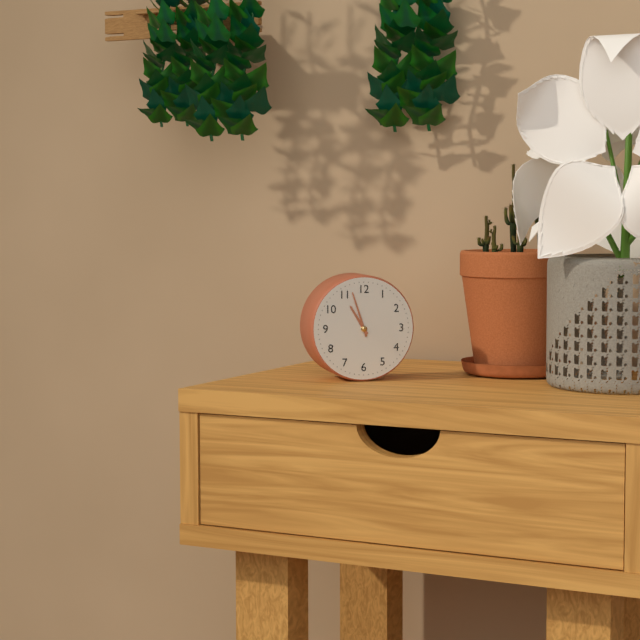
**10:57**
